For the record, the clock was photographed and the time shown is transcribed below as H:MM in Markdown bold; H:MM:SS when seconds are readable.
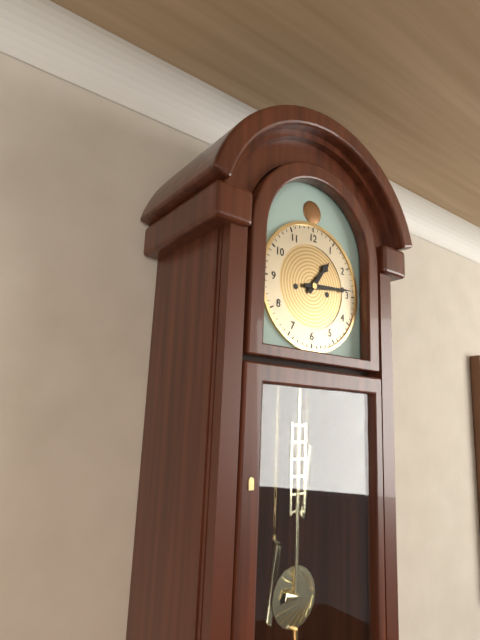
**1:14**
